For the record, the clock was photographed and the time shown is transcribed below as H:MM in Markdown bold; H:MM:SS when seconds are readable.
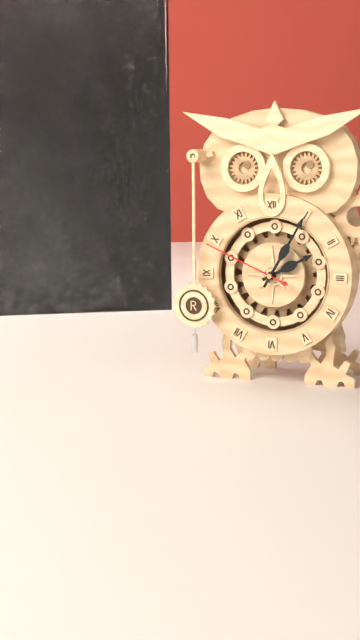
**2:05:49**
